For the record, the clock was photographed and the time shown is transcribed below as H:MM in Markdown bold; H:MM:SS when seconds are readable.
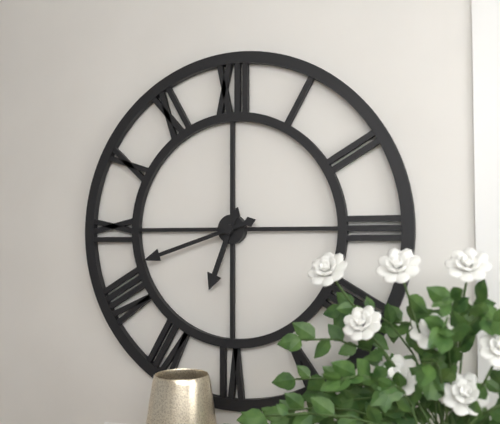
**6:42**
